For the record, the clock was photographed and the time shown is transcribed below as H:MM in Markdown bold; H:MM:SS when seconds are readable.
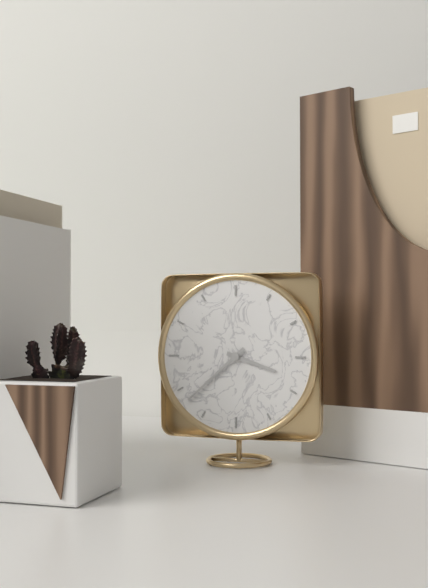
**3:38**
